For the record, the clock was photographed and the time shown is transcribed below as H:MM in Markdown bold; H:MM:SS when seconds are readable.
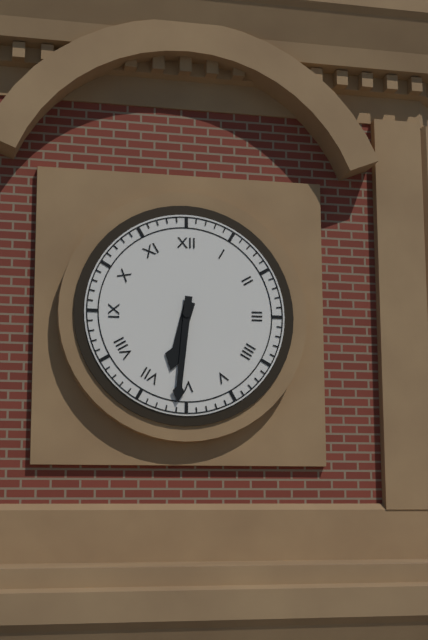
**6:31**
